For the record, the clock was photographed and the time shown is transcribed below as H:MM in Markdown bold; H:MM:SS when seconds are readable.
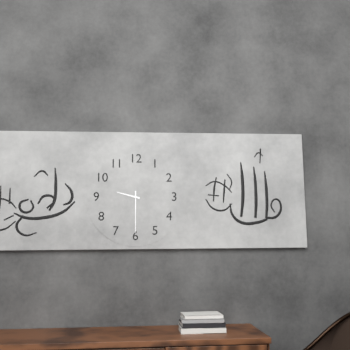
**9:30**
